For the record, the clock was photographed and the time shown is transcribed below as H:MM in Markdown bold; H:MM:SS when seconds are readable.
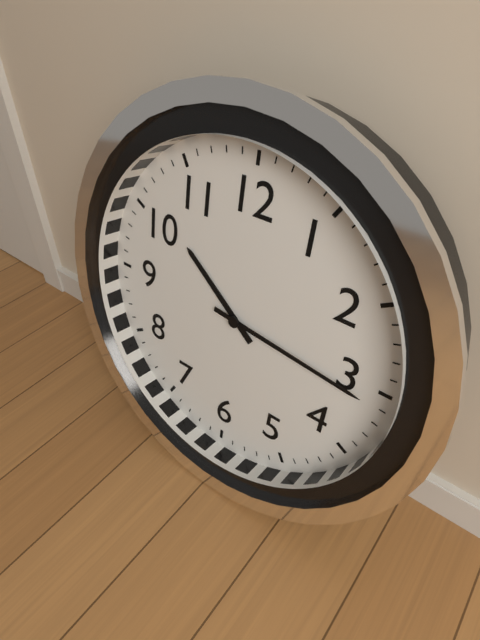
**10:16**
